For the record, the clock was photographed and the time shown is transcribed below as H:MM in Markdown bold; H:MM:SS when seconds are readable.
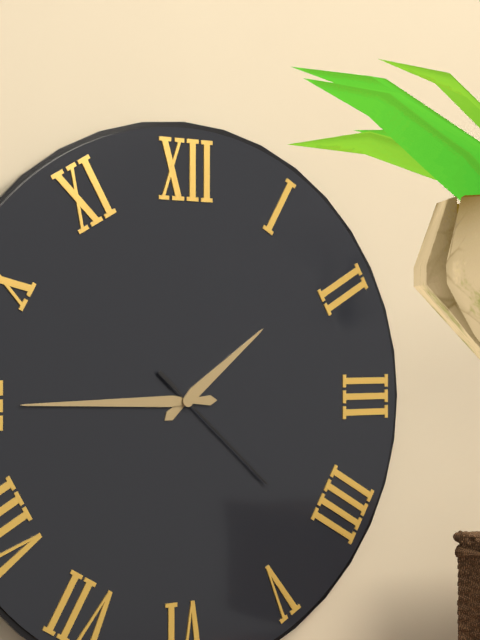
**1:45:22**
